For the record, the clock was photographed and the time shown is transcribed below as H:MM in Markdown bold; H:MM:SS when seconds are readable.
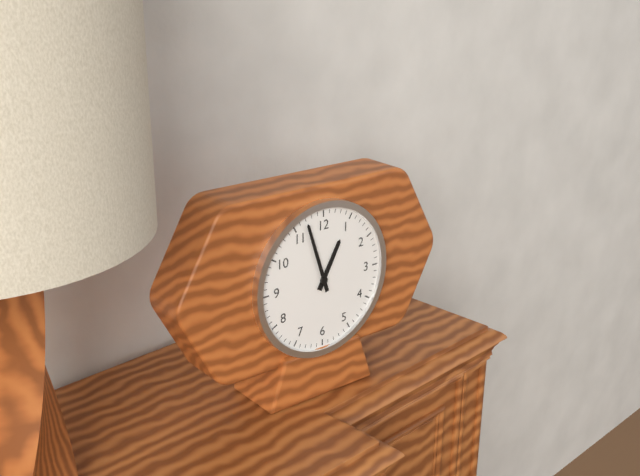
**12:57**
